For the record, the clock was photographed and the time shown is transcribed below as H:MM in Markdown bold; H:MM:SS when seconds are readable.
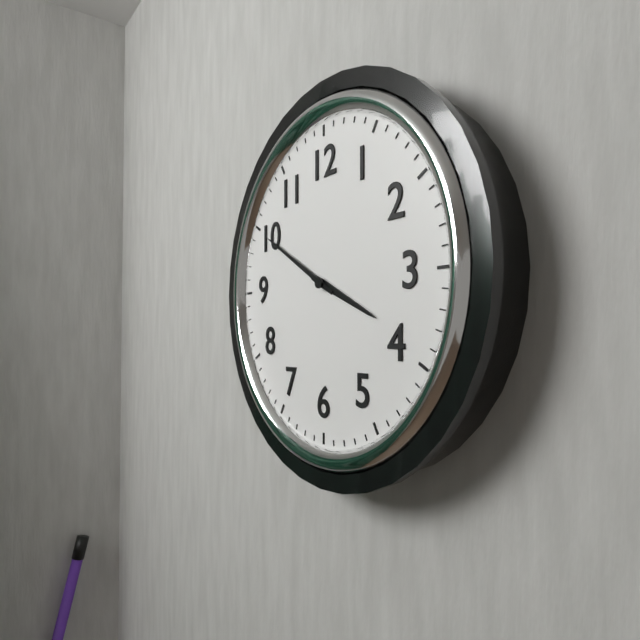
**3:50**
